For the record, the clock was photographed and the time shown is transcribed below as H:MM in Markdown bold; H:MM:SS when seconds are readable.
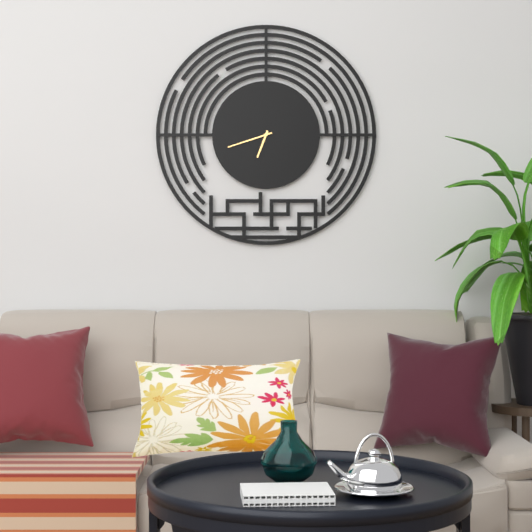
**6:42**
